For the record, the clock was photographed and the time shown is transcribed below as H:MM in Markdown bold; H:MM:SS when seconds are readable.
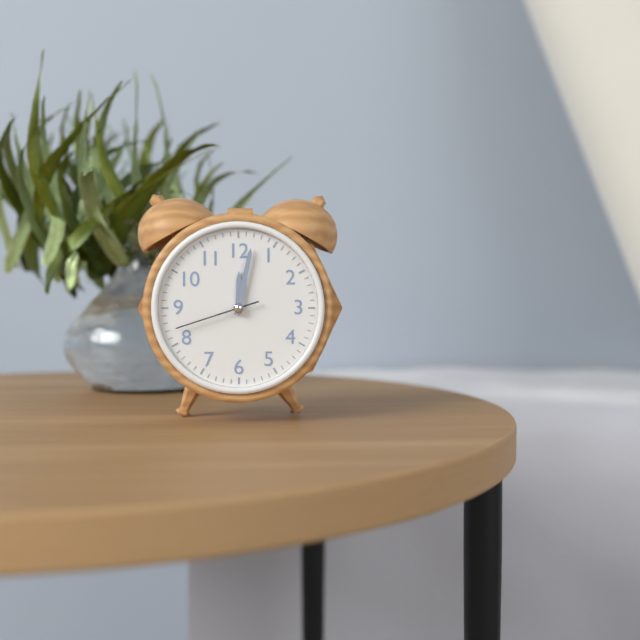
**12:02:42**
